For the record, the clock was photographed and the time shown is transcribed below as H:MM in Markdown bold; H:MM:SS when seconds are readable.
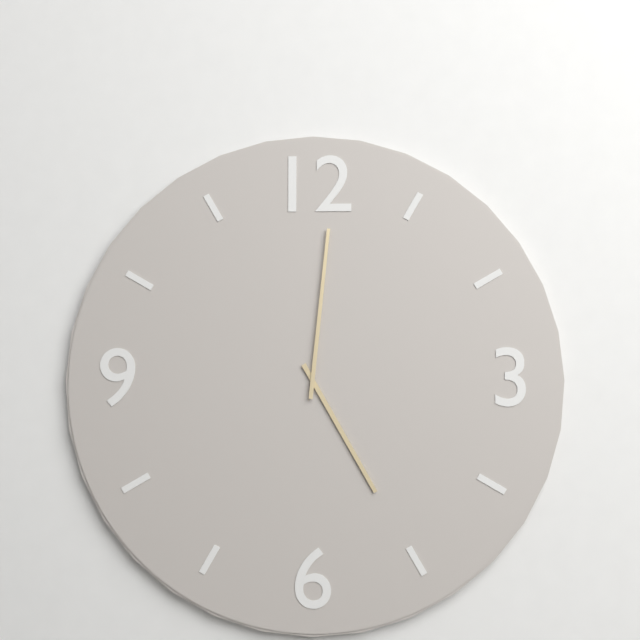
**5:01**
